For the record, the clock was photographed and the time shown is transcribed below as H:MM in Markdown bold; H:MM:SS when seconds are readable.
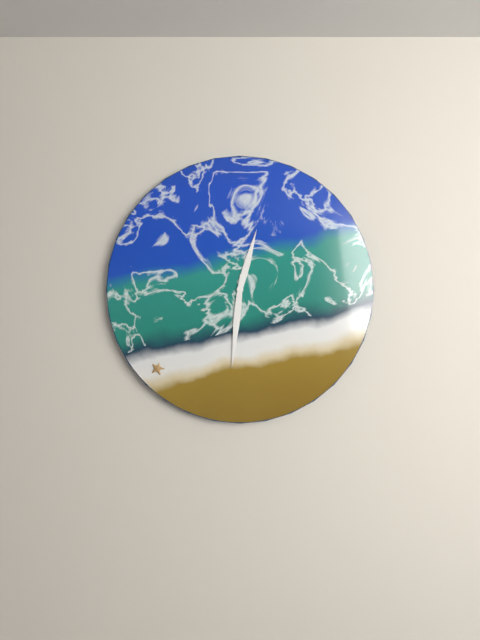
**12:31**
